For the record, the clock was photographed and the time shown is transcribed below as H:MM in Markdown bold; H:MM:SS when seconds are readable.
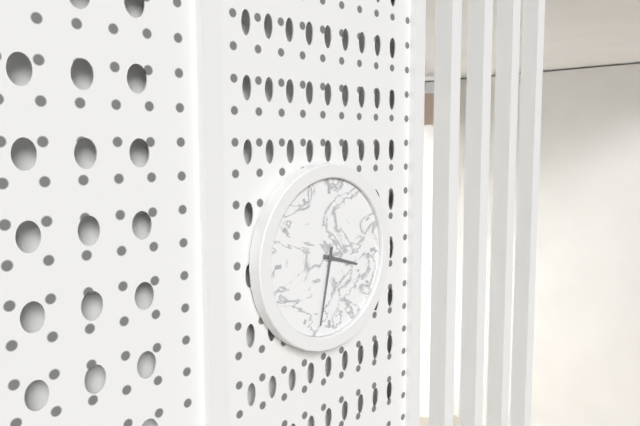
**3:32**
